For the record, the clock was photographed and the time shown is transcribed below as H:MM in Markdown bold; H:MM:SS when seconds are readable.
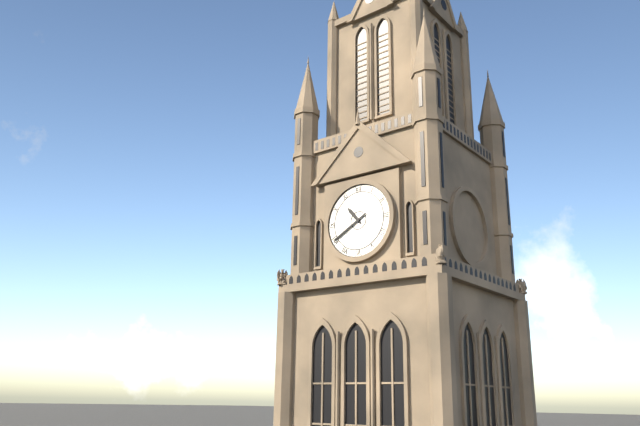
**10:40**
